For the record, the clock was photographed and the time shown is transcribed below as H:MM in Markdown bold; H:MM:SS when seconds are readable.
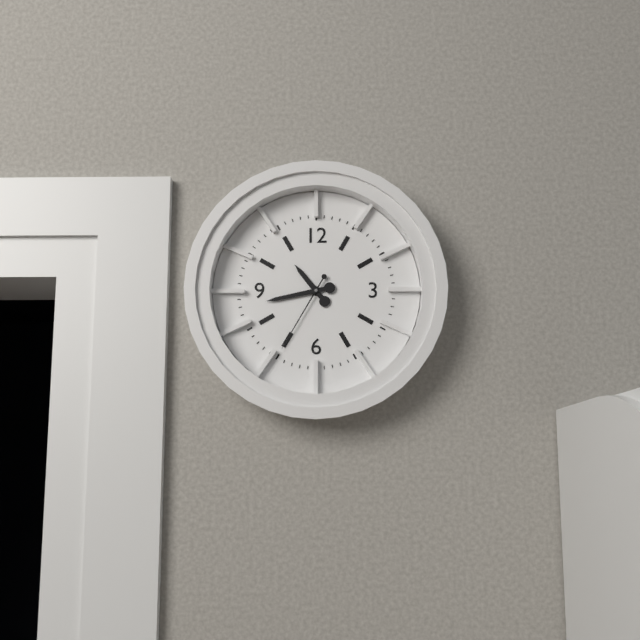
**10:43:35**
